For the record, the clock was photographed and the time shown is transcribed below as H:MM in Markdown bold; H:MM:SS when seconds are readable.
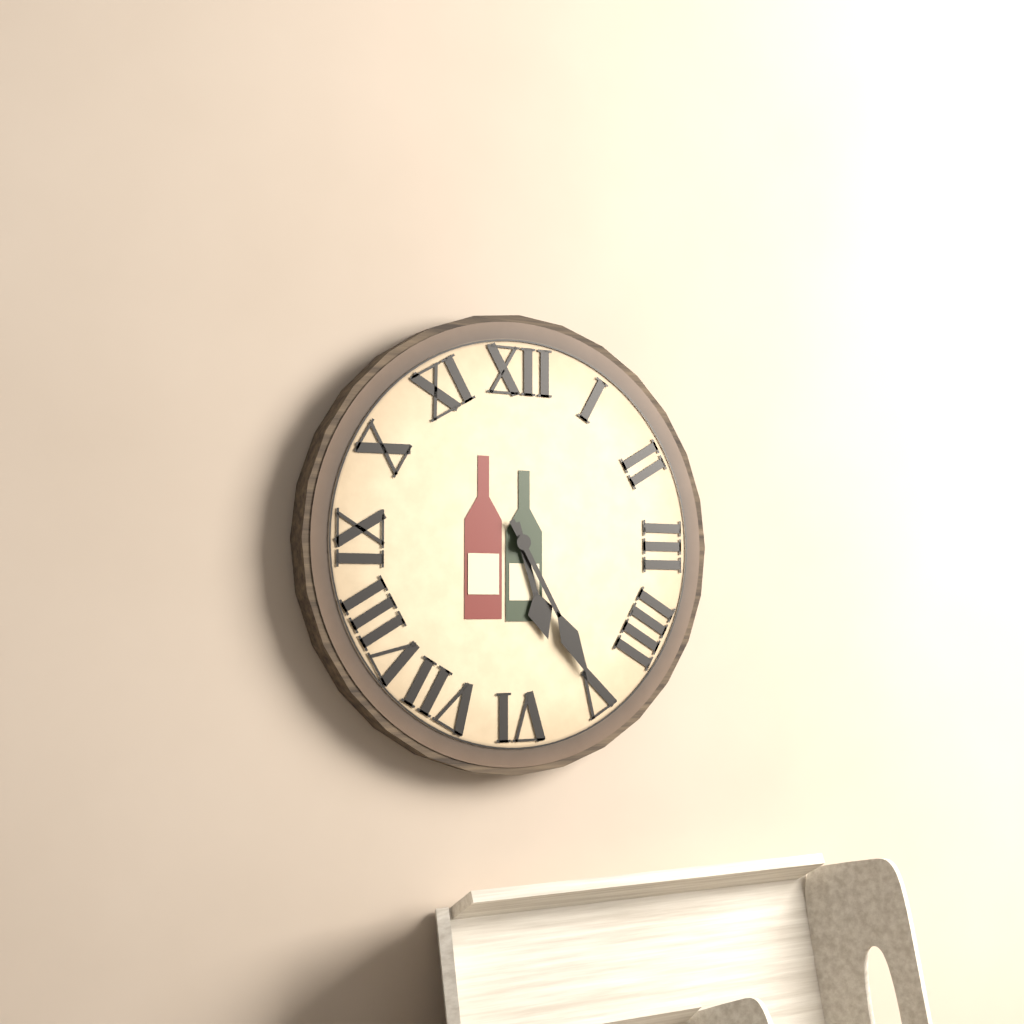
**5:25**
